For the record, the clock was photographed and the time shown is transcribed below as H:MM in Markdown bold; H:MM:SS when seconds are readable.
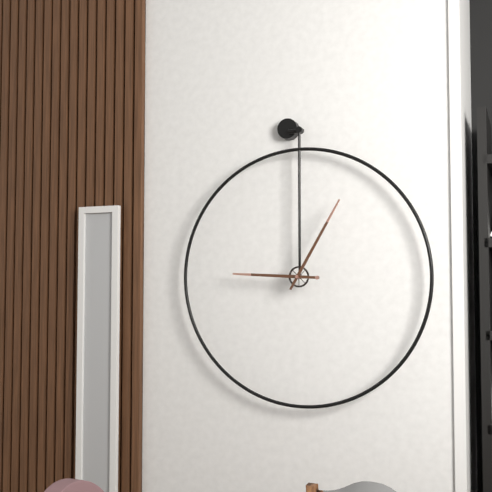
**9:05**
